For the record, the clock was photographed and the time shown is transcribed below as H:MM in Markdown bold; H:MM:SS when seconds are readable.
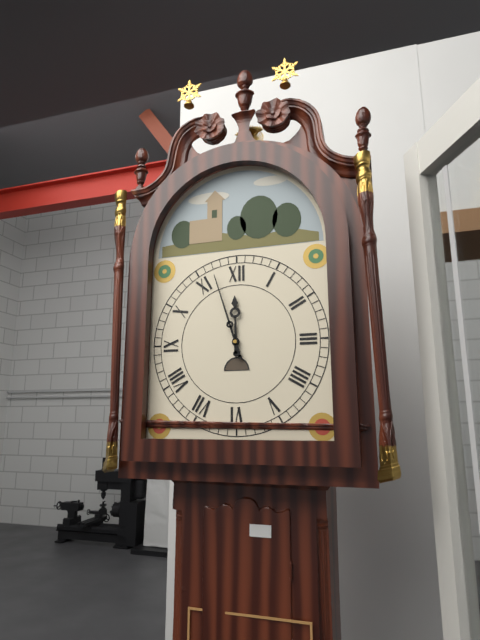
**11:57**
